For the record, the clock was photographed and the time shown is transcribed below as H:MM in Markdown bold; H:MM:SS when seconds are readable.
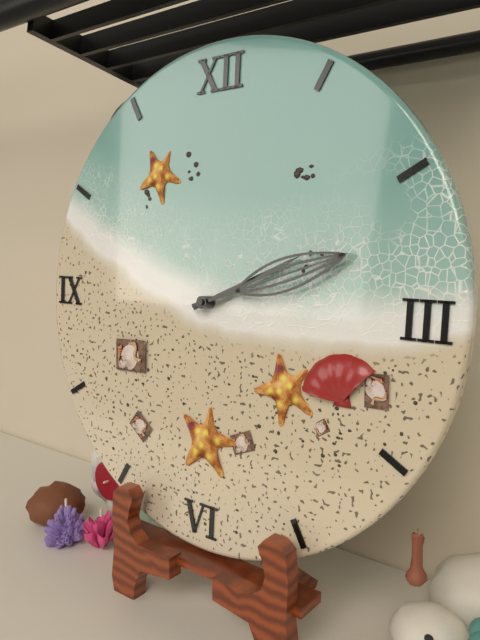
**2:12**
